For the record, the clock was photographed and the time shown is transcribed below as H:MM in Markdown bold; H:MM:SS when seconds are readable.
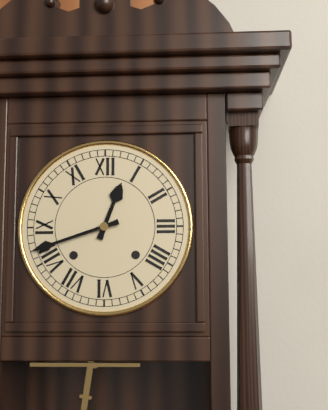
**12:42**
